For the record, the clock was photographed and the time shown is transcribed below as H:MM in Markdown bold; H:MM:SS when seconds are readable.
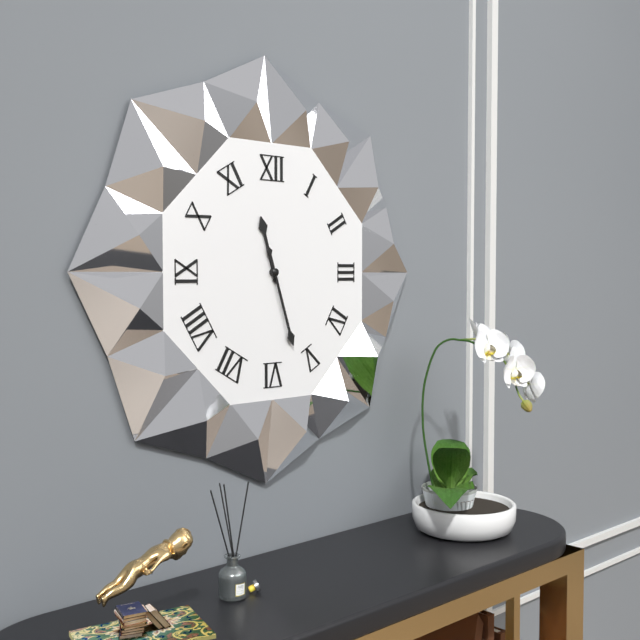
**11:27**
